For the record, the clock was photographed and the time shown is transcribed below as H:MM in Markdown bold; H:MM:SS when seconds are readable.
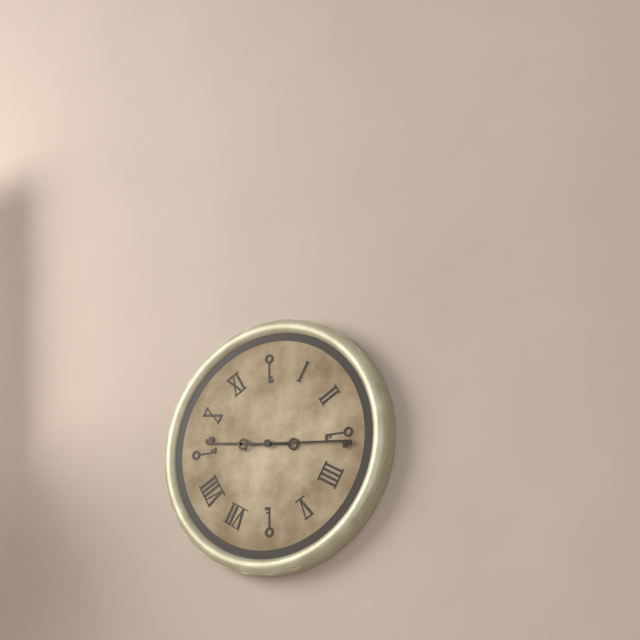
**9:16**
